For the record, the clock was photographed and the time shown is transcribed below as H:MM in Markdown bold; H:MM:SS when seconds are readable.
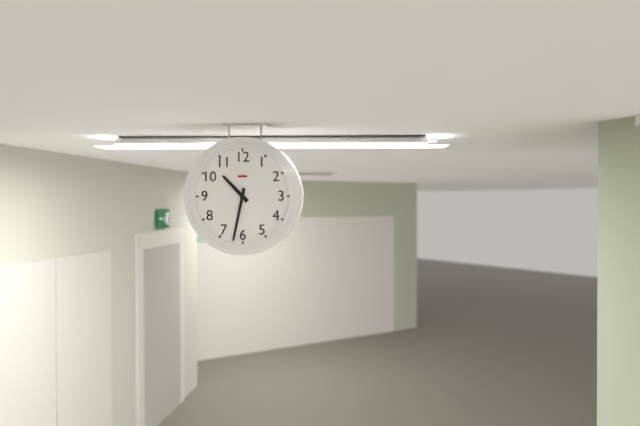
**10:32**
